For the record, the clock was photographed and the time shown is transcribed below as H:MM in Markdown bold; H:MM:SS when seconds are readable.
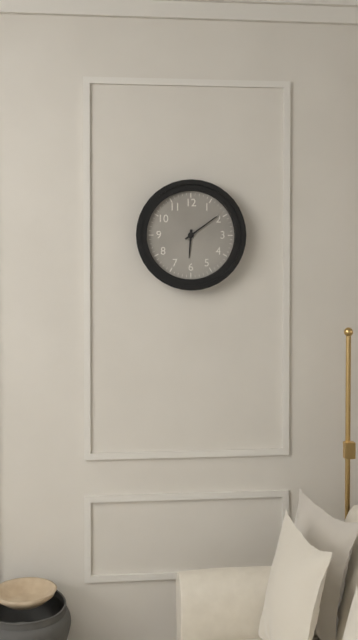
**6:09**
